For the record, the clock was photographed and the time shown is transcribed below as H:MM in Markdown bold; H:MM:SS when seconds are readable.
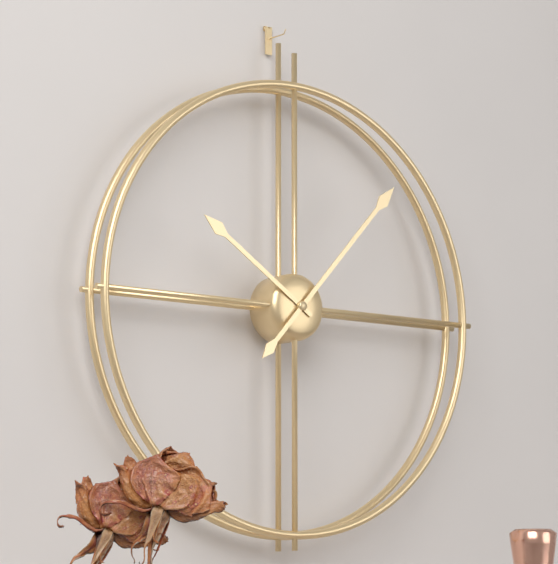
**10:07**
